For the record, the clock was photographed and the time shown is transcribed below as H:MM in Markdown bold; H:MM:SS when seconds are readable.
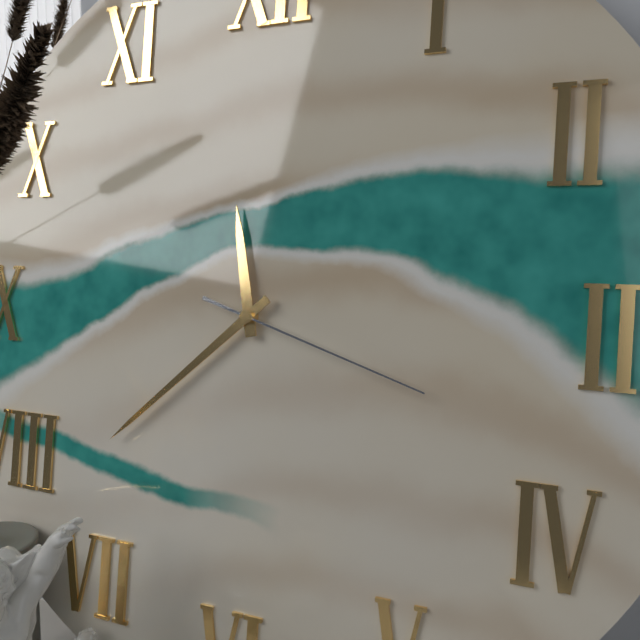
**11:38:18**
